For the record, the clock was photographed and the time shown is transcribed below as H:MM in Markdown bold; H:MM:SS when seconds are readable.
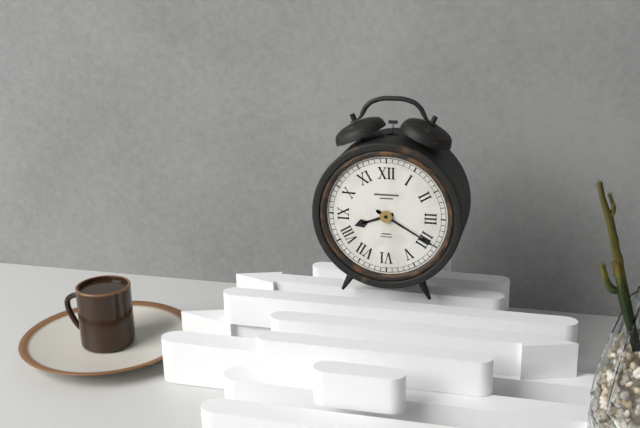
**8:20**
